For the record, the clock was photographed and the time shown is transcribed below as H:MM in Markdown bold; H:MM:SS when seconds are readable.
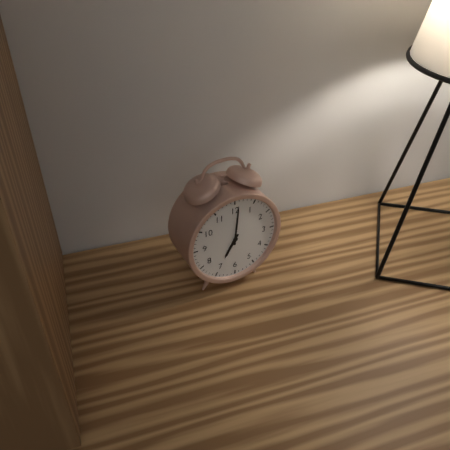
**7:01**
